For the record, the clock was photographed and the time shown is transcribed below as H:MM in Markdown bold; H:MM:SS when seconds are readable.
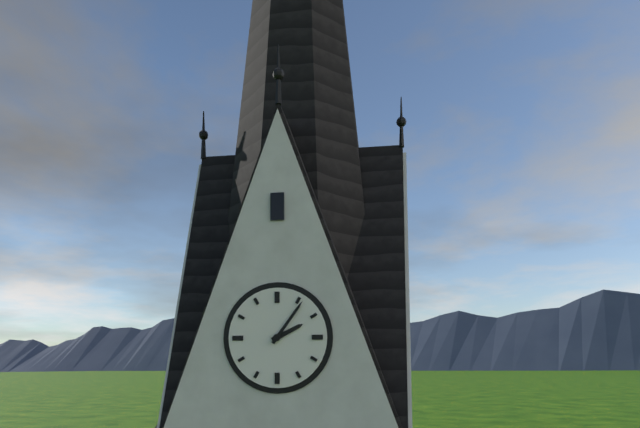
**2:06**
